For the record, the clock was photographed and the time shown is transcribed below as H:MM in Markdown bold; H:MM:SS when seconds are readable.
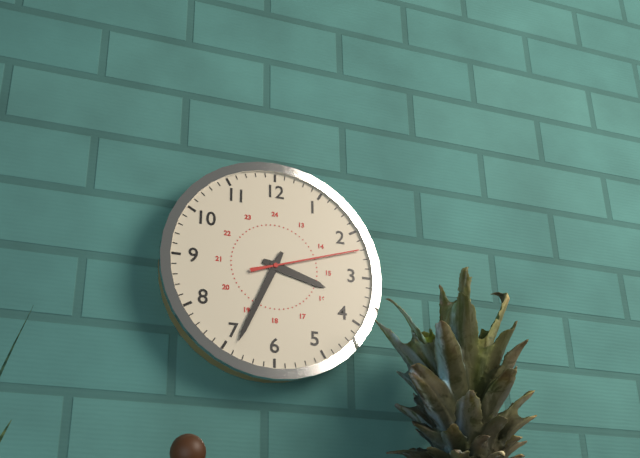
**3:34:12**
